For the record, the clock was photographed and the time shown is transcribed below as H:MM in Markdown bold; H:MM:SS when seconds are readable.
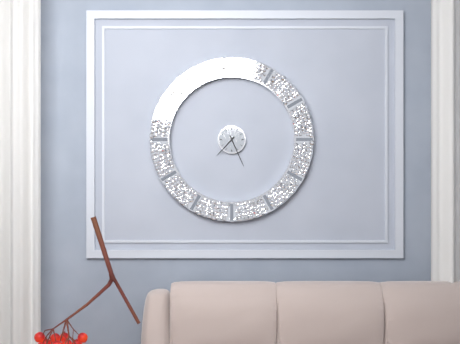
**7:26**
